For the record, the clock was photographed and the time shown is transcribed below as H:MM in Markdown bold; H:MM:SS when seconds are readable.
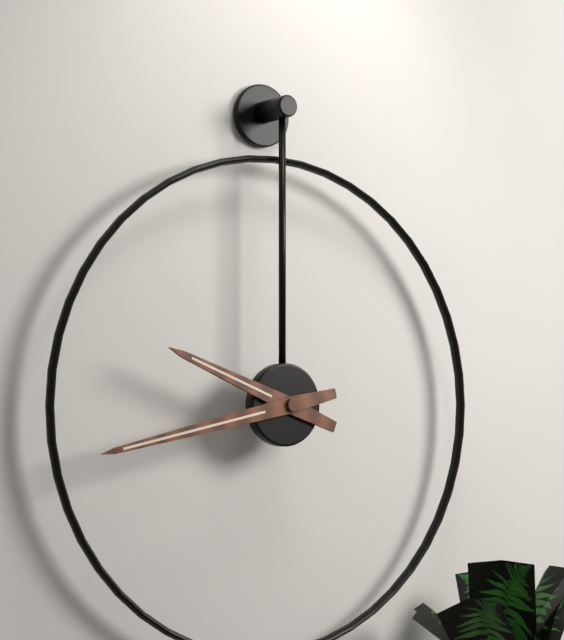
**9:43**
